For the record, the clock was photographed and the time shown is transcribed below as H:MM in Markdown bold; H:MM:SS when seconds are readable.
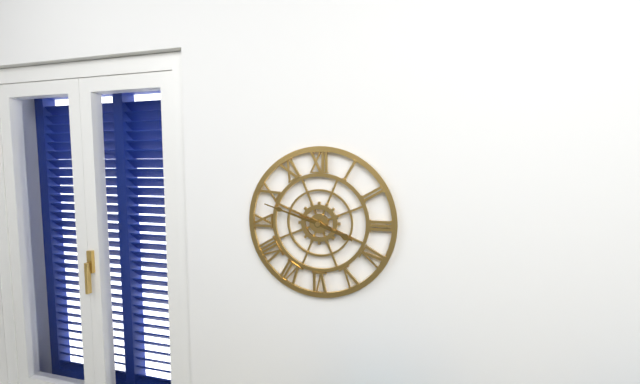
**3:48**
